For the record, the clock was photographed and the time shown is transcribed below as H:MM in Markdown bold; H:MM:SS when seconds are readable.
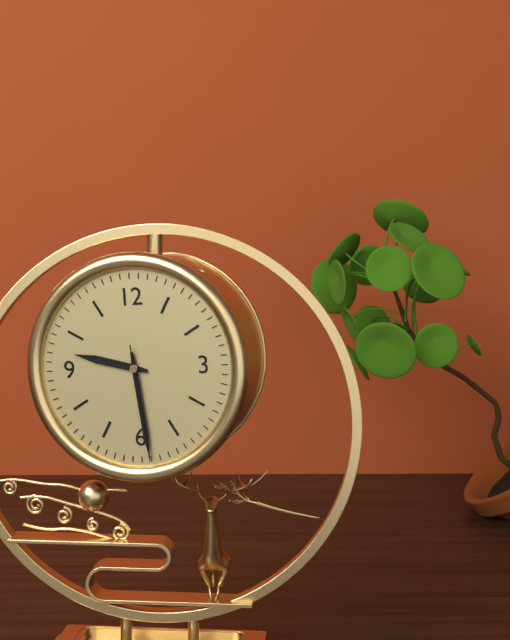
**9:29:29**
